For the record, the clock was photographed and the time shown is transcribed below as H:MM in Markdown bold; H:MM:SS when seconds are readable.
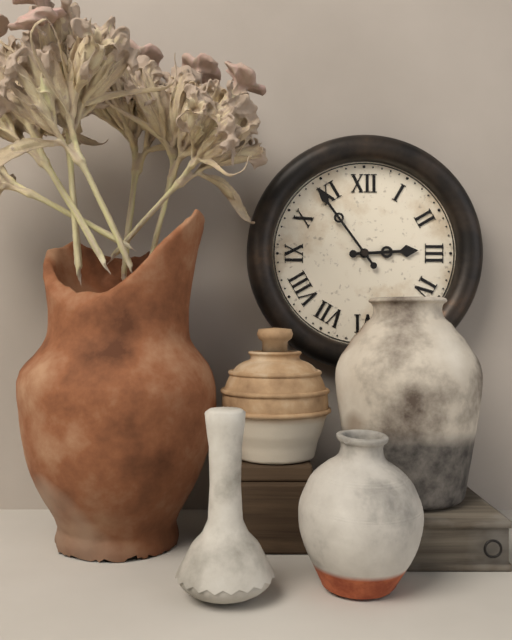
**2:54**
